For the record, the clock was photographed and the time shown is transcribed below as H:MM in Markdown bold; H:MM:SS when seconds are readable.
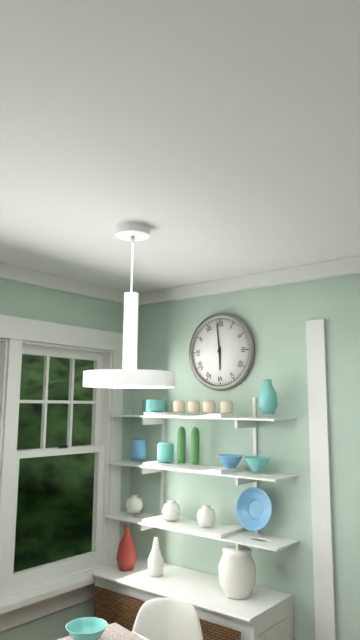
**5:59**
